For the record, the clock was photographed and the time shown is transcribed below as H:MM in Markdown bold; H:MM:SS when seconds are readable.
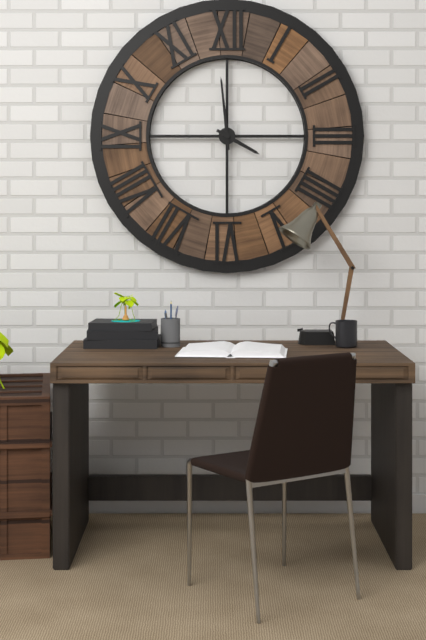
**3:59**
